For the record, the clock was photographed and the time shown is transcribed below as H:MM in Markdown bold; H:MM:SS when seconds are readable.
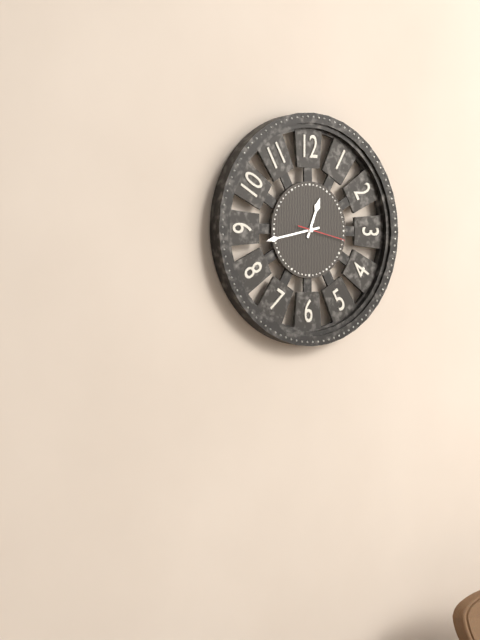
**12:43:17**
